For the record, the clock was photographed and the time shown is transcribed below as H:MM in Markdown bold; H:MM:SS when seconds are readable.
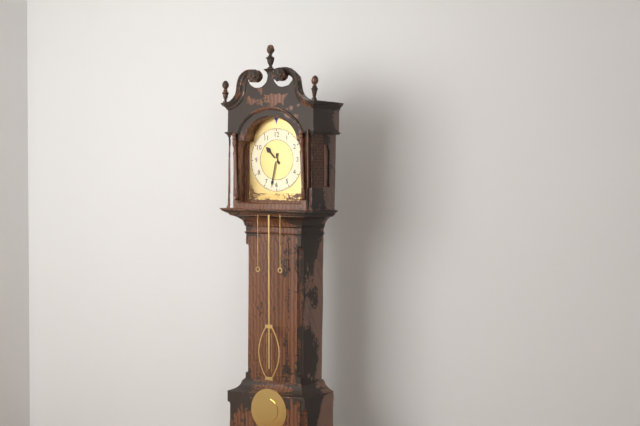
**10:32**
